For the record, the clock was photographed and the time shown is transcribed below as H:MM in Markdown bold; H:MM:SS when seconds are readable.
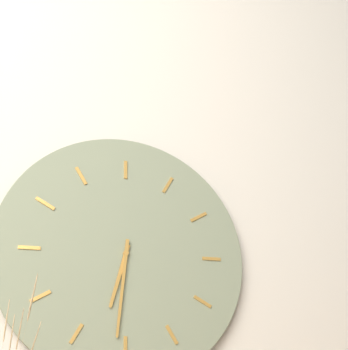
**6:31**
